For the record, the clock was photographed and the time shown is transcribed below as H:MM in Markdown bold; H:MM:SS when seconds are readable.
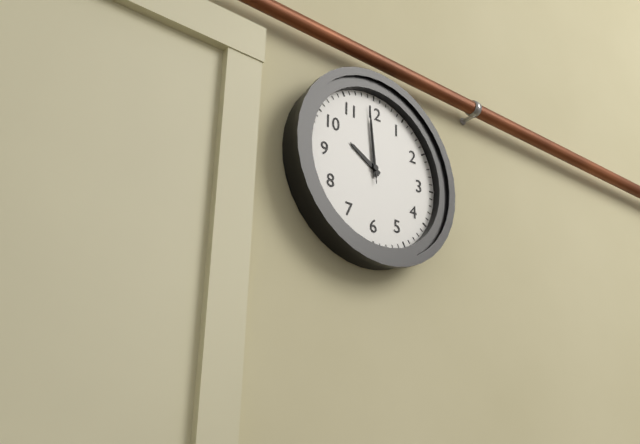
**9:59:59**
